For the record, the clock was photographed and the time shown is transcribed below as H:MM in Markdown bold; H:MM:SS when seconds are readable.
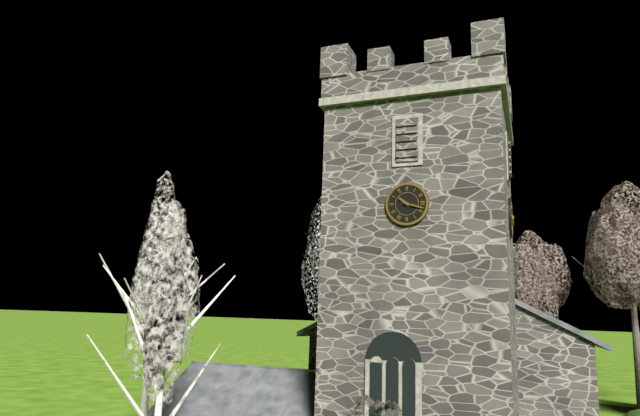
**10:18**
